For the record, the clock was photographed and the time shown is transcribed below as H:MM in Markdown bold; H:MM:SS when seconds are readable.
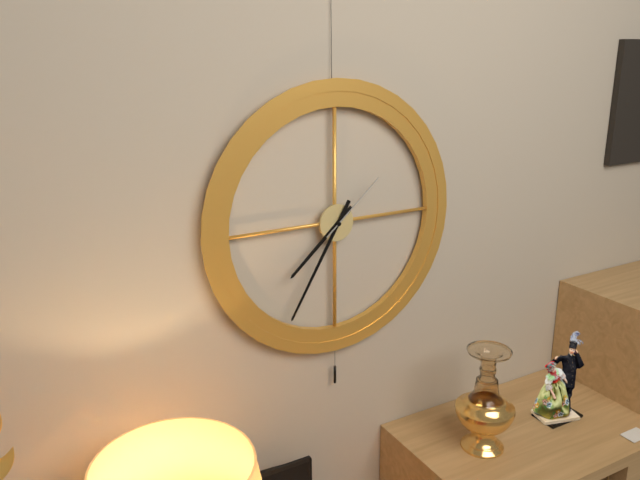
**7:35:08**
